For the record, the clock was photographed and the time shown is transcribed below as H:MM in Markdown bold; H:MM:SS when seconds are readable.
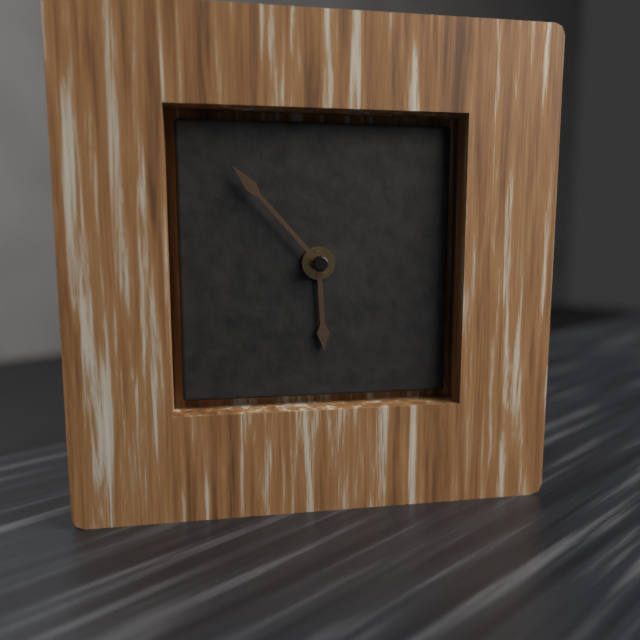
**5:53**
